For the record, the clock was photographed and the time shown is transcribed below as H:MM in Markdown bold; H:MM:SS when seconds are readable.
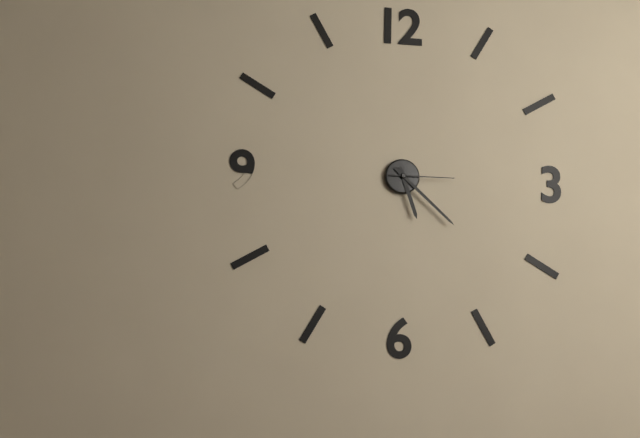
**5:22:15**
